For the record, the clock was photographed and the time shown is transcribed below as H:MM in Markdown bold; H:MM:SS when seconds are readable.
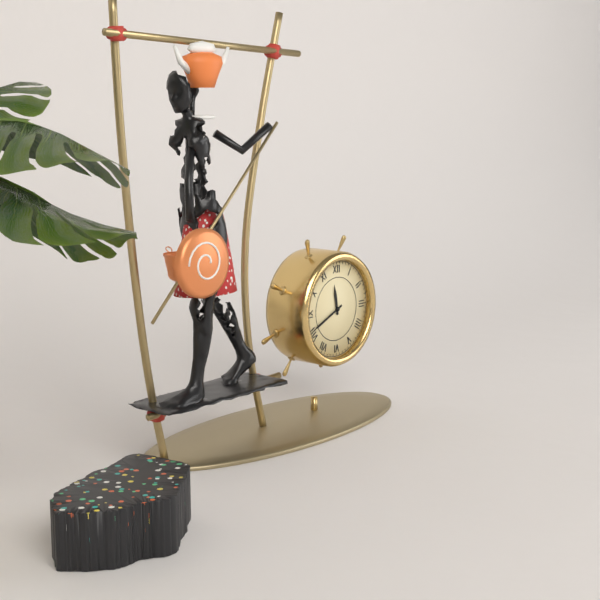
**11:41**
